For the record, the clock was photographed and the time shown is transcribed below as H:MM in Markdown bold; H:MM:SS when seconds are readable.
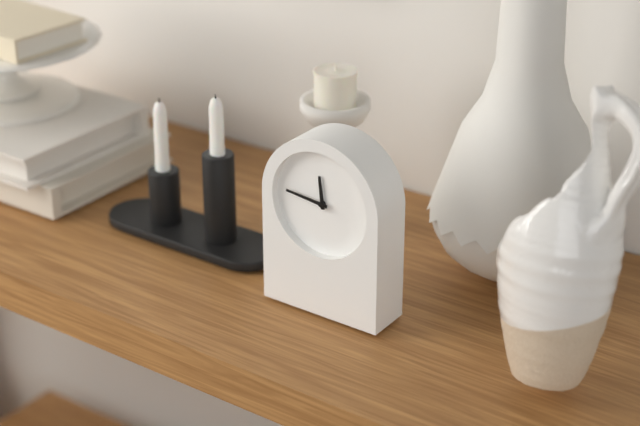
**11:46**
